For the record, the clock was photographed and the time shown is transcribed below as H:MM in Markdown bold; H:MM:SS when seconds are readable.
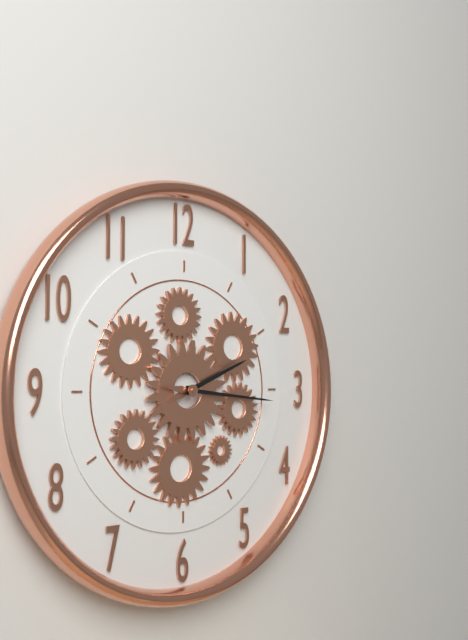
**2:16**
